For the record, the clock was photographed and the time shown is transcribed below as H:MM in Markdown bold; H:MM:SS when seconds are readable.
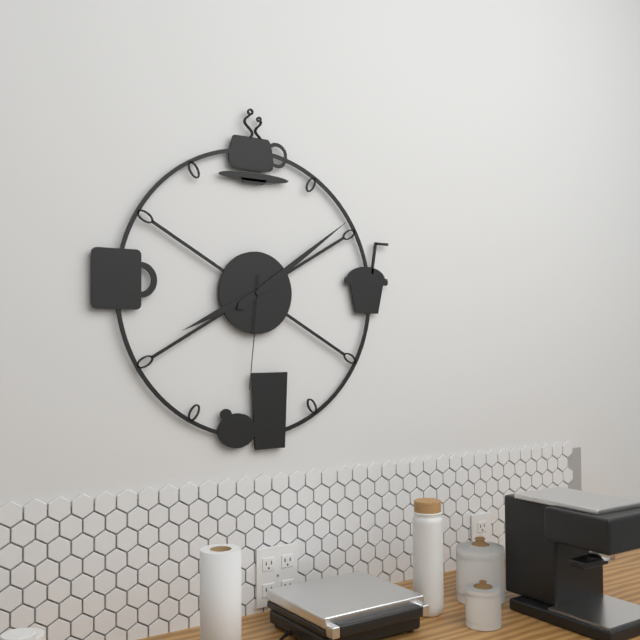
**8:09:31**
